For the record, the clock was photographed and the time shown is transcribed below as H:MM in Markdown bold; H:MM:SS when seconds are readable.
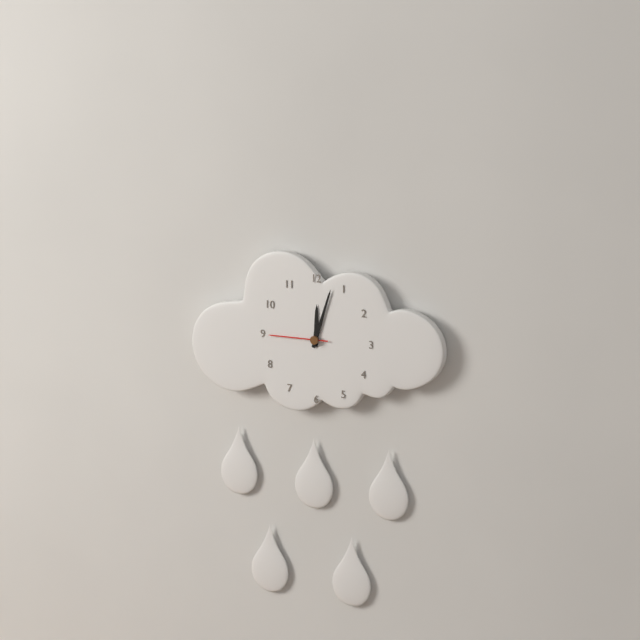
**12:03:45**
